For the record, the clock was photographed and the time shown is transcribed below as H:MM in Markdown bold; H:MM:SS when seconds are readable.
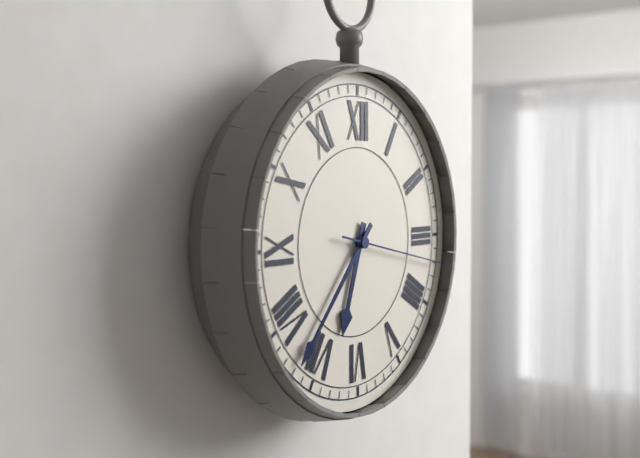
**6:37:17**
